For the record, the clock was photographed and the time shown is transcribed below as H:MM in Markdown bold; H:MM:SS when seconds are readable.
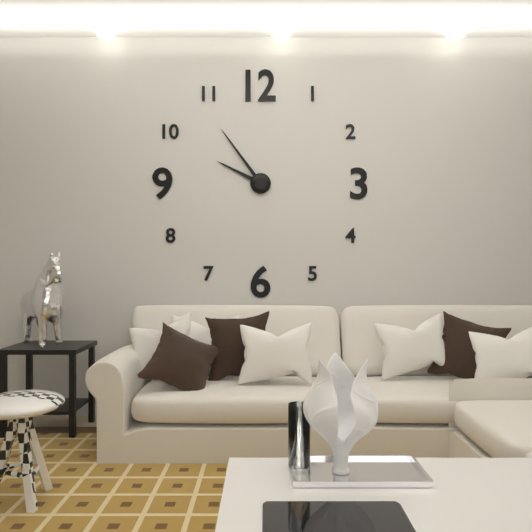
**9:54**
